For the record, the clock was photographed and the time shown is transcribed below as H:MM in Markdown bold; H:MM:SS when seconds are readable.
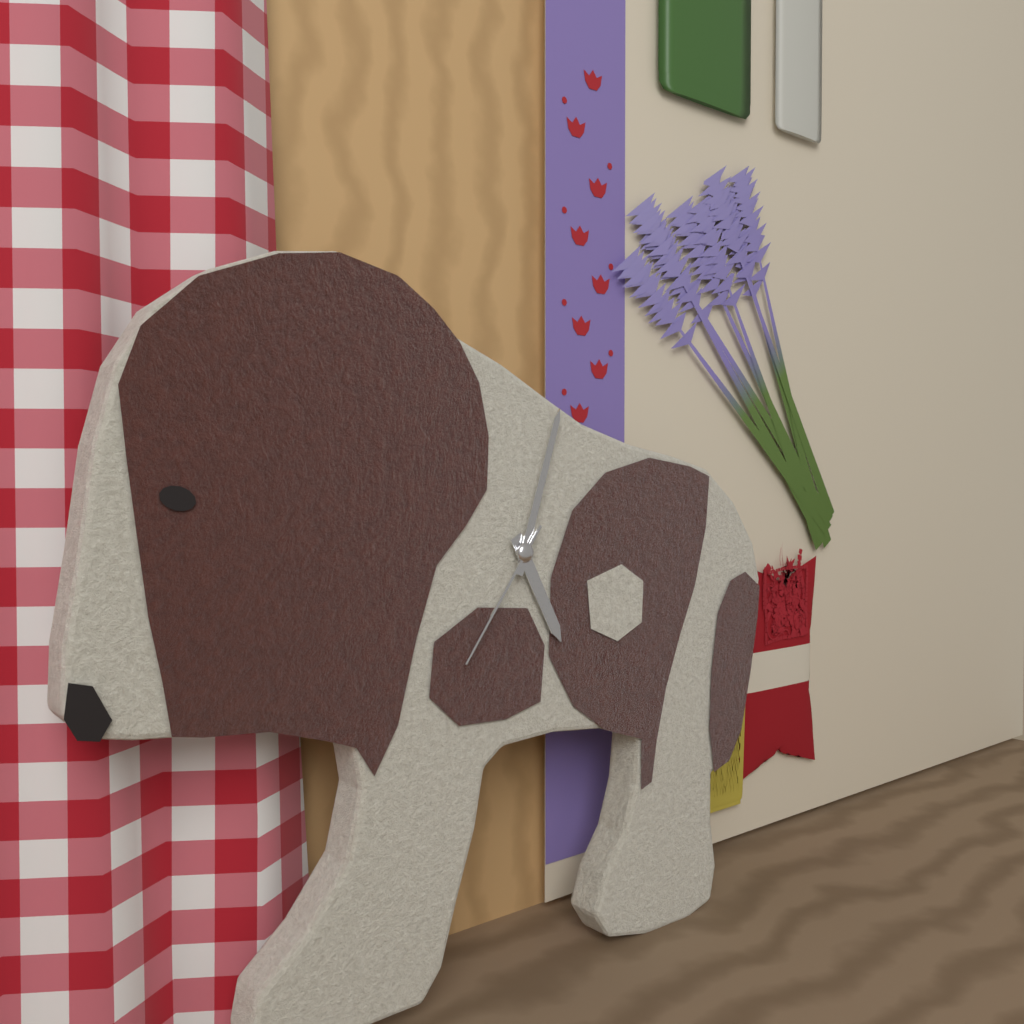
**5:03:36**
